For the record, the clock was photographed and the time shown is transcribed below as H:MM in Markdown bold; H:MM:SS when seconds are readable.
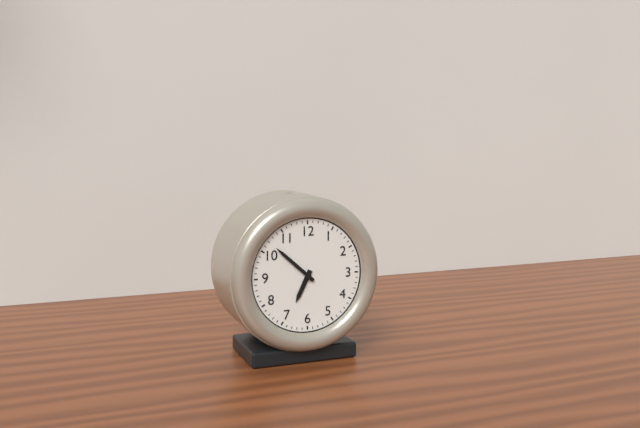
**6:52**
